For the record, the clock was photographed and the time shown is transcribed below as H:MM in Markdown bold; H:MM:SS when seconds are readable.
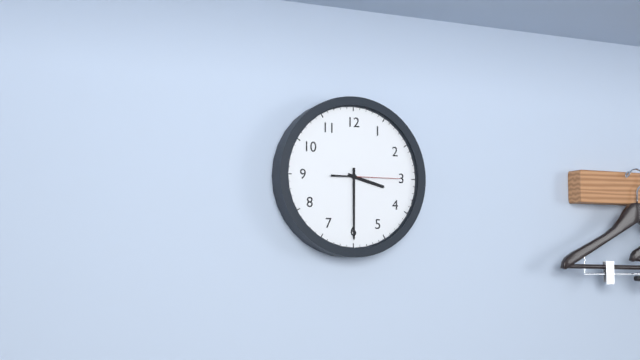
**3:30:15**
